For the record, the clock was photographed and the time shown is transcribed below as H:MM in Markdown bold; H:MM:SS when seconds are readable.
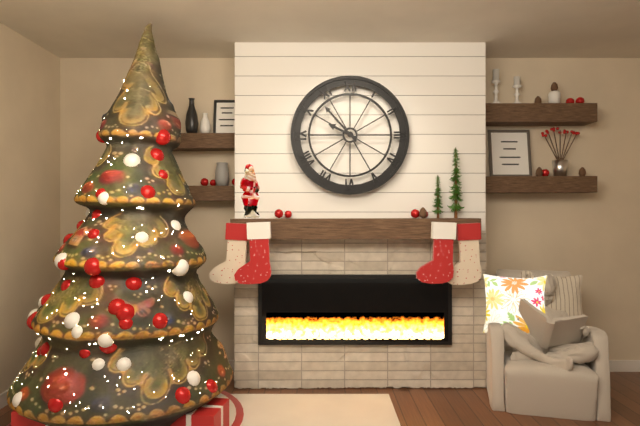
**9:53**
